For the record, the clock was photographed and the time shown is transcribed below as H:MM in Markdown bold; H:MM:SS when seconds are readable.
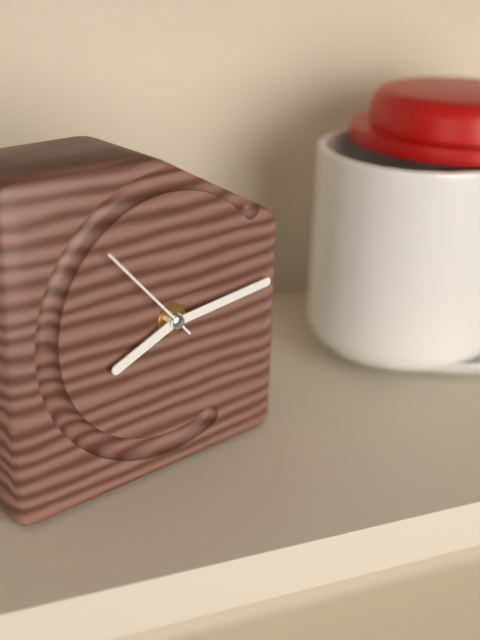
**8:14:53**
